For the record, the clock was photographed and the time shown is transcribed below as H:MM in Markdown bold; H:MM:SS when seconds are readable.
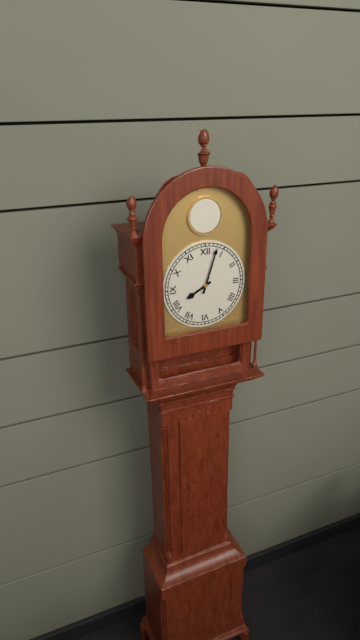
**8:03**
